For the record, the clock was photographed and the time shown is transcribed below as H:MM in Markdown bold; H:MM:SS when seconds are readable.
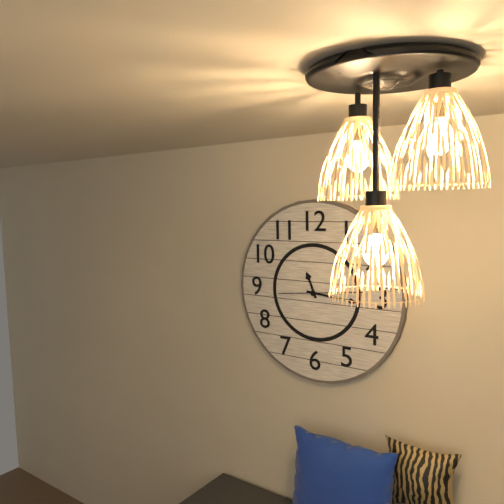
**11:16:14**
